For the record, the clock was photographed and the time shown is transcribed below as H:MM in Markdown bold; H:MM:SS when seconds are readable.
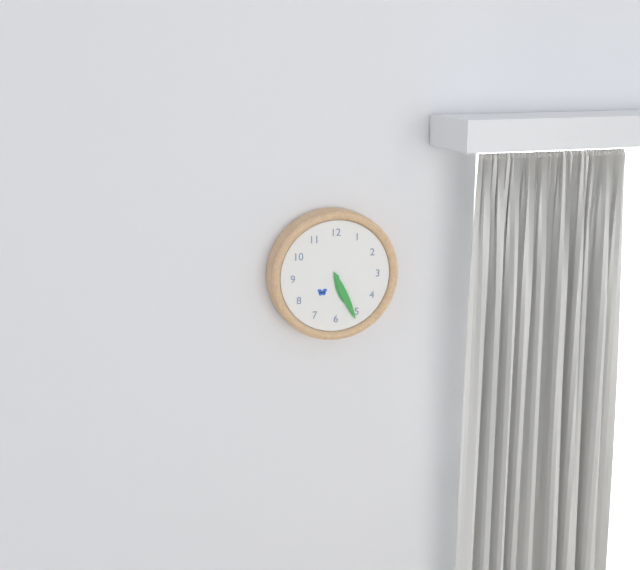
**5:26**
